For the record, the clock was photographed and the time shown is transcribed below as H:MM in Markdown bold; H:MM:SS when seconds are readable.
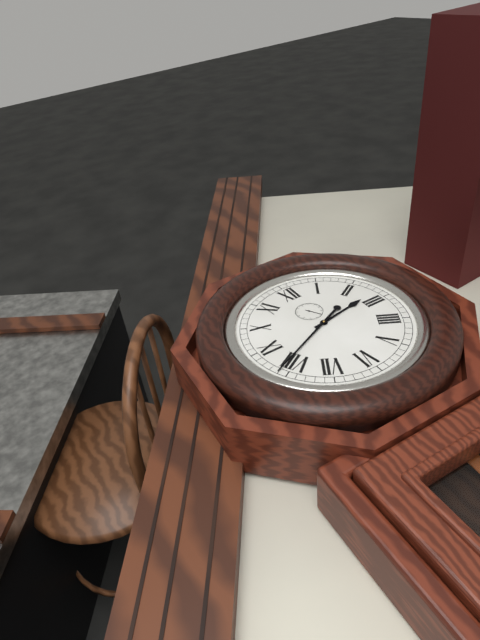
**2:41**
